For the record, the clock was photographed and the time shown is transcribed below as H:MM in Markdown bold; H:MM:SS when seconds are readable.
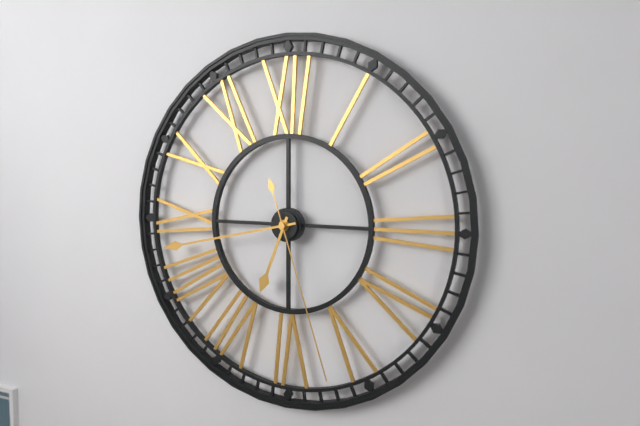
**6:43:27**
